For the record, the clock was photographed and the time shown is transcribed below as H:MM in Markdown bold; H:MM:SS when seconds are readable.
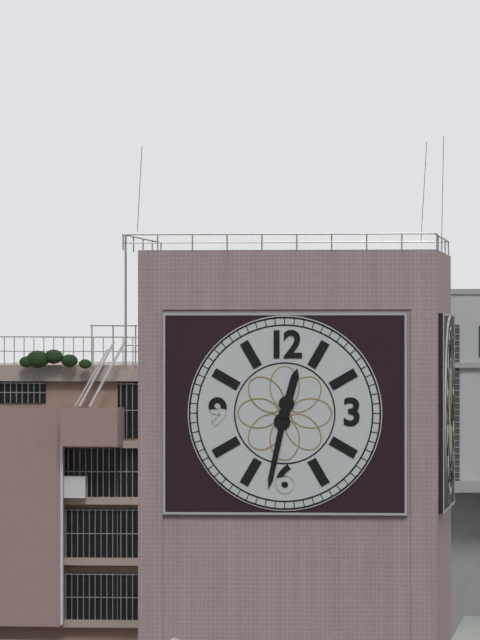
**12:32**
